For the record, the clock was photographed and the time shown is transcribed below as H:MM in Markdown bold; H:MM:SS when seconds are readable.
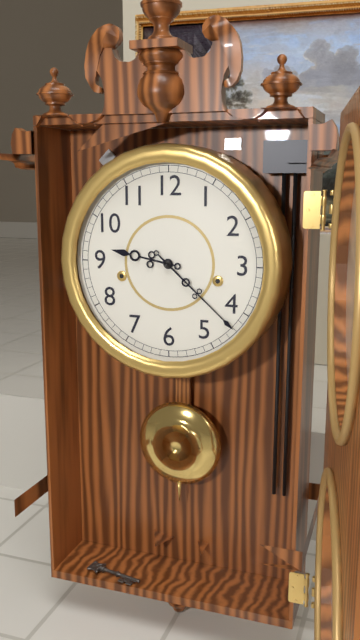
**9:22**
